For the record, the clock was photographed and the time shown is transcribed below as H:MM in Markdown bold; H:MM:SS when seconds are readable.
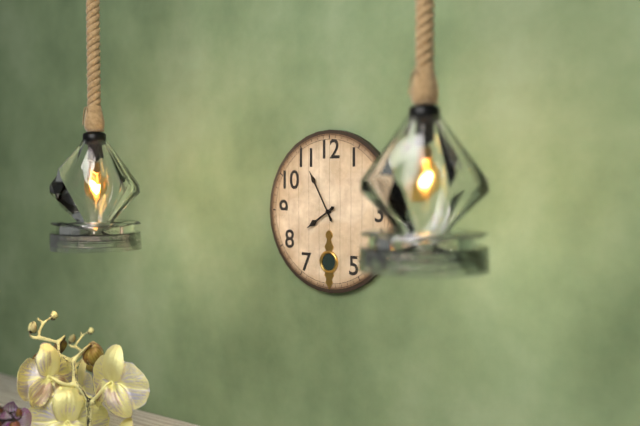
**7:55**
